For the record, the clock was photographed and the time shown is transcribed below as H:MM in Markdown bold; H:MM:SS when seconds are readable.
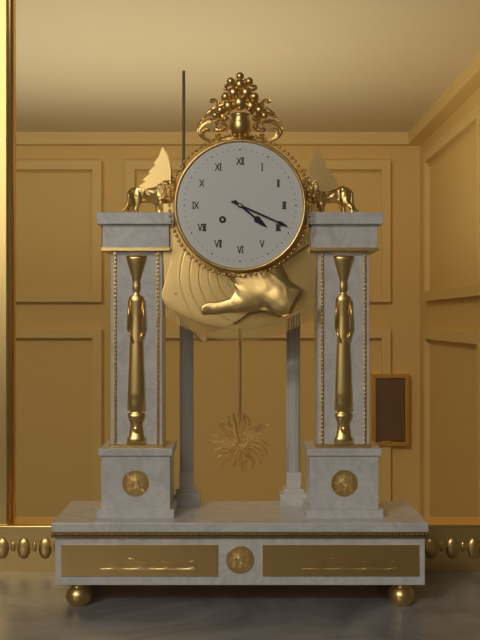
**4:19**
